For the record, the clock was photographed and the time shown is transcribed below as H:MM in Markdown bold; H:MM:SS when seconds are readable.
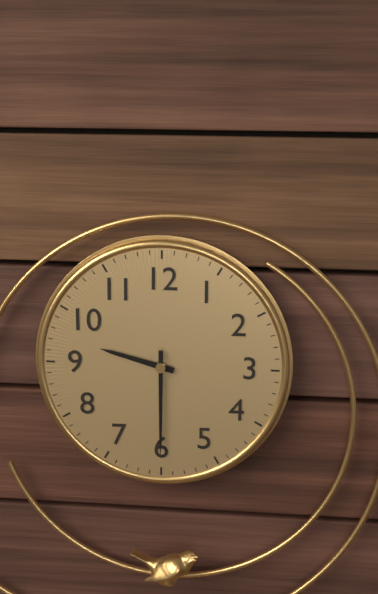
**9:30**
